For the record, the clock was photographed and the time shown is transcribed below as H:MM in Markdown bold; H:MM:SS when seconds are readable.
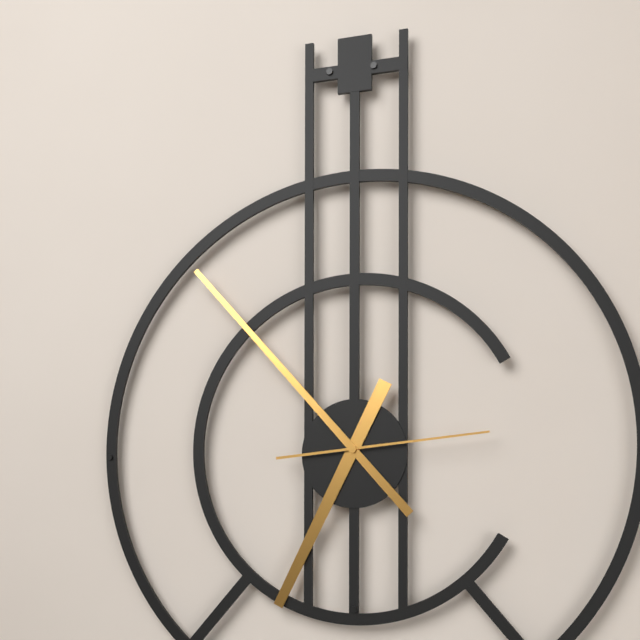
**6:53:14**
